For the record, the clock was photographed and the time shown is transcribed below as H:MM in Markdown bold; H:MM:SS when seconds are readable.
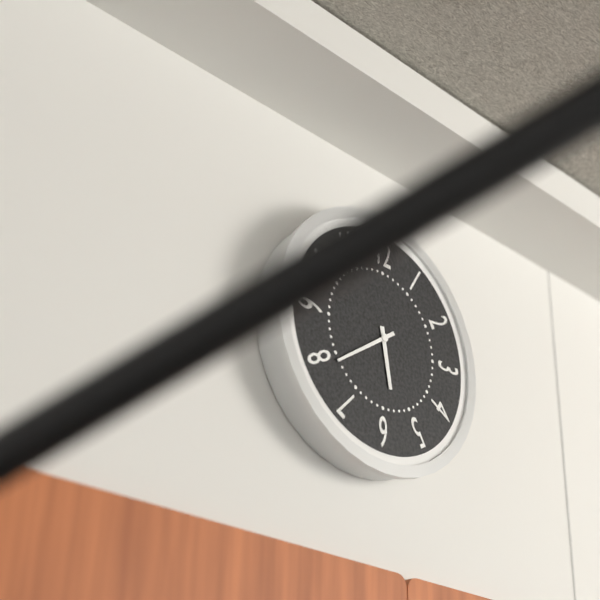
**5:39**
